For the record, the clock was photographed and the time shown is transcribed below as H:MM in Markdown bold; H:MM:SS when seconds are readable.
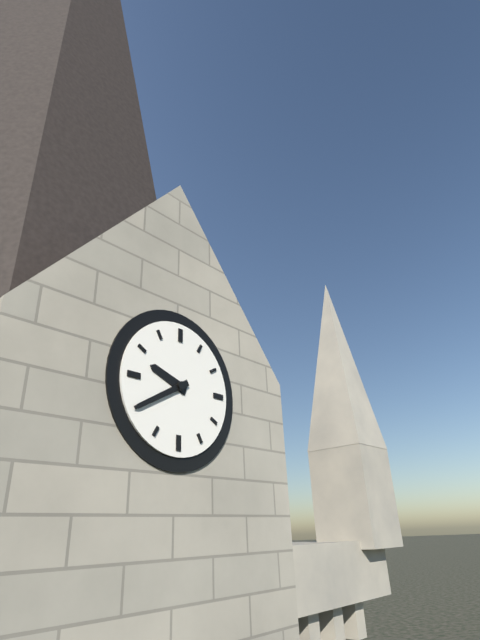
**9:40**
